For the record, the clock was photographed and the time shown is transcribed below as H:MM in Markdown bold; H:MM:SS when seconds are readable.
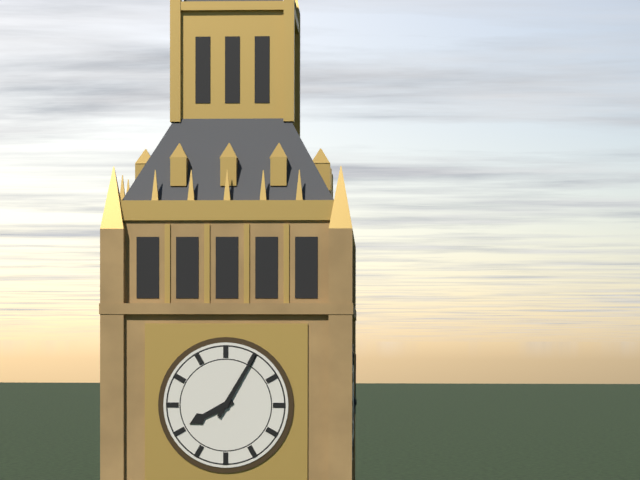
**8:05**
